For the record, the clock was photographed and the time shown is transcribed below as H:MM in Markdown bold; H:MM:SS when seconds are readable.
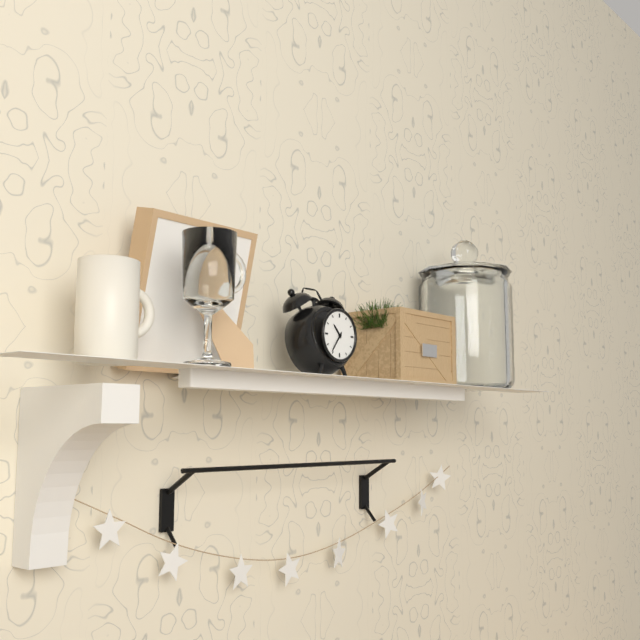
**10:36**
